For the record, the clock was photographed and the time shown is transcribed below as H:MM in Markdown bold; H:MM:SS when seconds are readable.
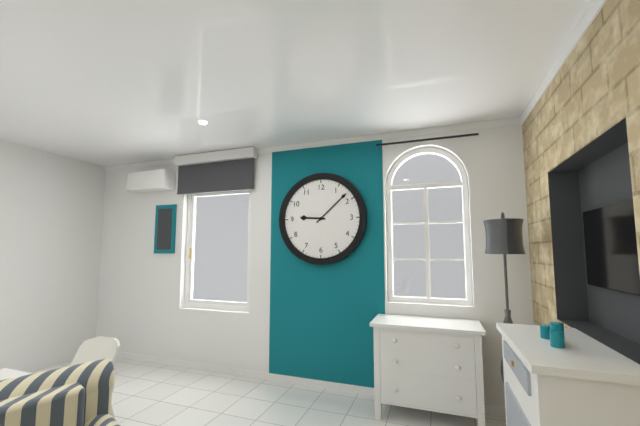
**9:08**
